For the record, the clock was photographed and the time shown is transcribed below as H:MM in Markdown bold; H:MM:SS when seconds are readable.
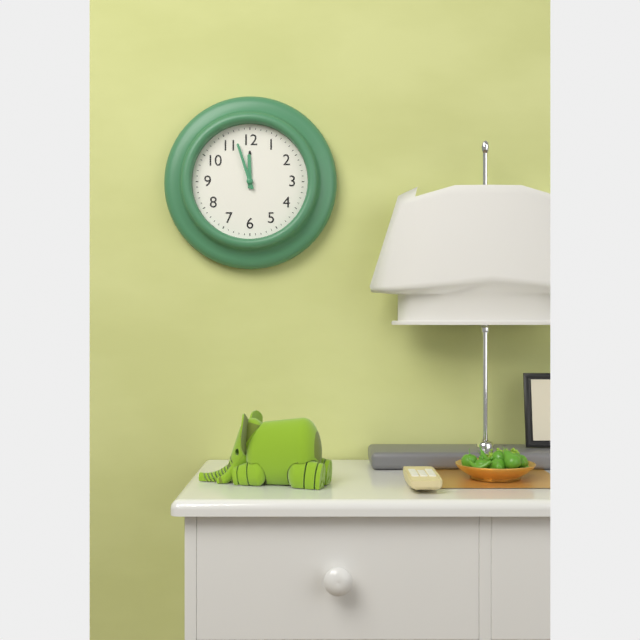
**11:57**
